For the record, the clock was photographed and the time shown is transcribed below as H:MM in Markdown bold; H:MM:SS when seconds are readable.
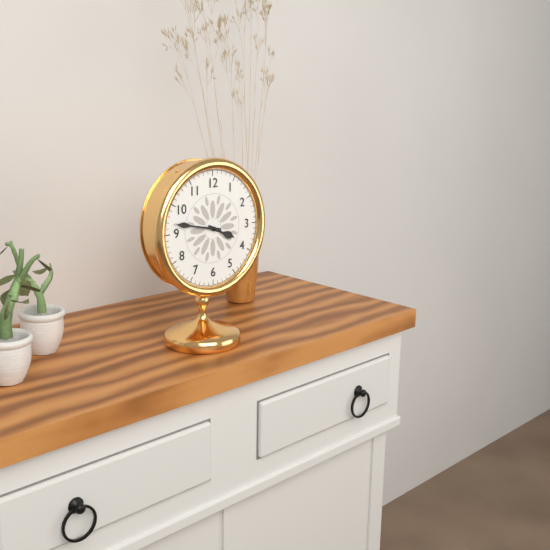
**3:47**
